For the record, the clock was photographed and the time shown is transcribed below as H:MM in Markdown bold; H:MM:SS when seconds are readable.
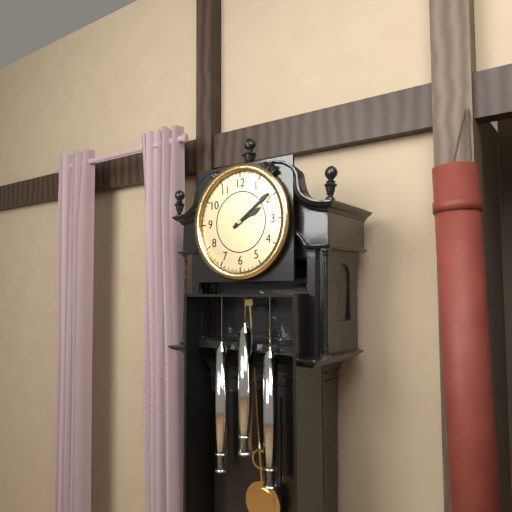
**2:09**
